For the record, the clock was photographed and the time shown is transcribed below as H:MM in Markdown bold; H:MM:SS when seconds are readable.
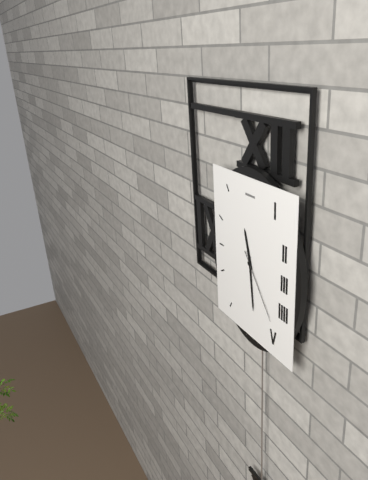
**11:29:24**
